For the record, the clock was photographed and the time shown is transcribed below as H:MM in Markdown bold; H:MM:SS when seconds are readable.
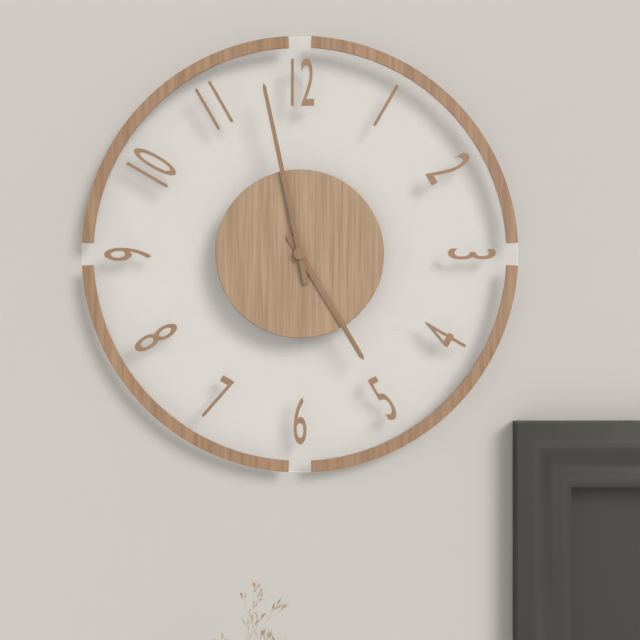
**4:58**
